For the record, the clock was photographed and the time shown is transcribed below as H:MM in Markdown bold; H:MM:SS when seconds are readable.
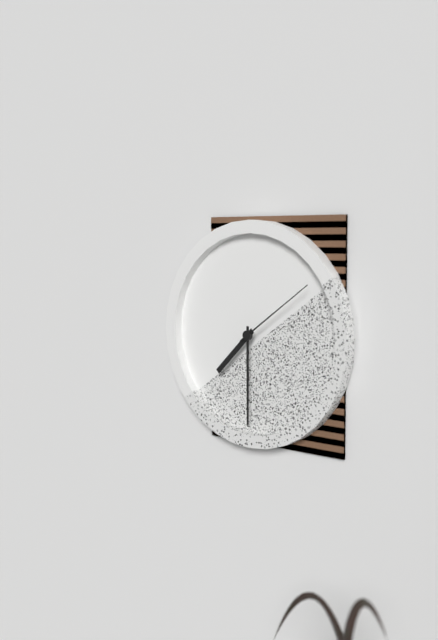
**7:30:09**
